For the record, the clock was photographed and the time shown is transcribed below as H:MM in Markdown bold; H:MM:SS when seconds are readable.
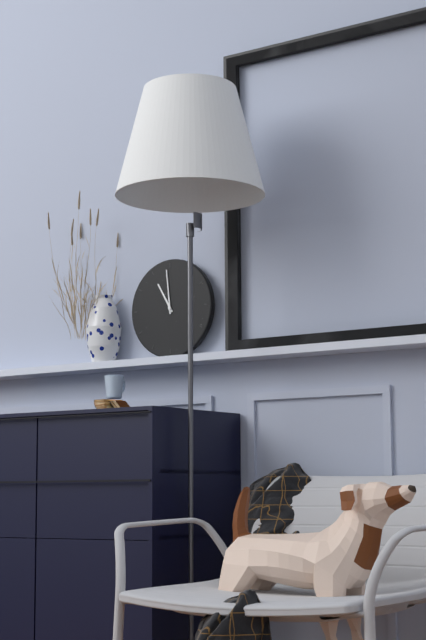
**10:59**
